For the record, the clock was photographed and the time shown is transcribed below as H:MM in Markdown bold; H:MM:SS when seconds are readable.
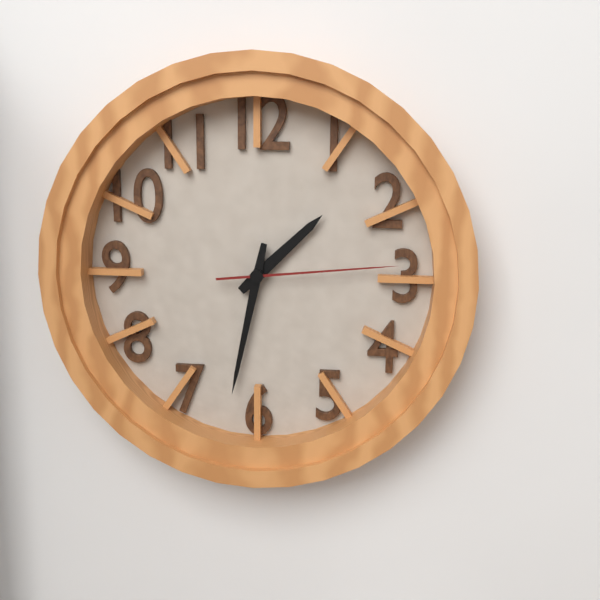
**1:32:14**
